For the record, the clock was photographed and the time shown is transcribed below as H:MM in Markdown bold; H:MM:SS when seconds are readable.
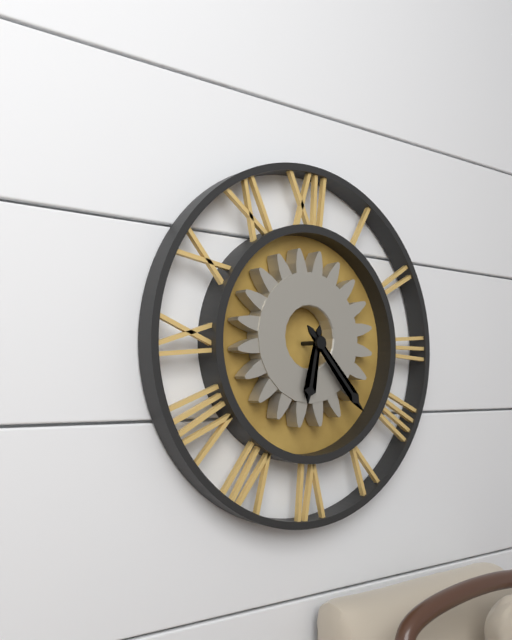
**6:23**
